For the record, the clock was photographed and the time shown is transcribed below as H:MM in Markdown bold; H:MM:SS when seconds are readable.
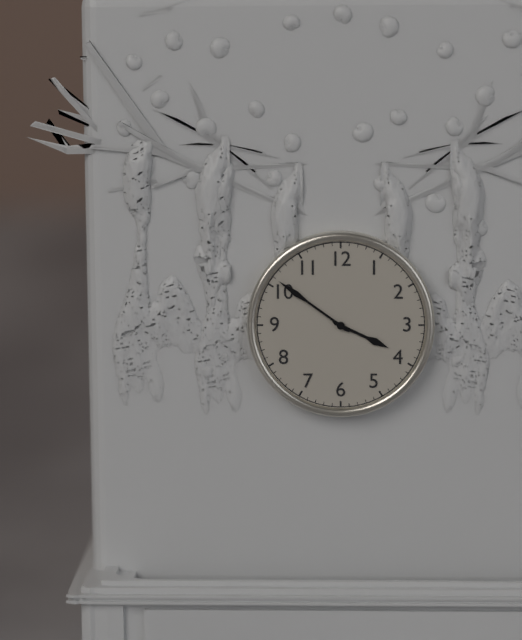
**3:51**
